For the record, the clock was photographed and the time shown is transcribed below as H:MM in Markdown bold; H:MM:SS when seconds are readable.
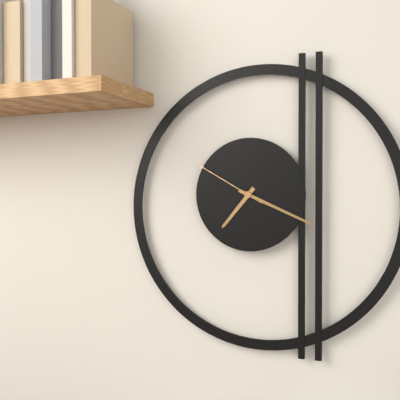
**7:19:50**
